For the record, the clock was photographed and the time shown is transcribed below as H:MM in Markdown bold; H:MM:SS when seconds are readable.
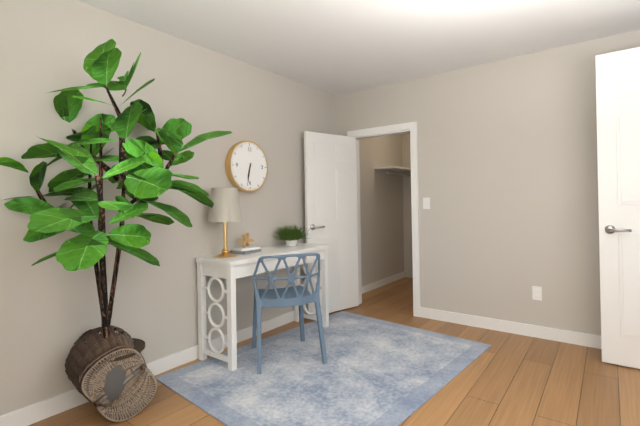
**6:32**
